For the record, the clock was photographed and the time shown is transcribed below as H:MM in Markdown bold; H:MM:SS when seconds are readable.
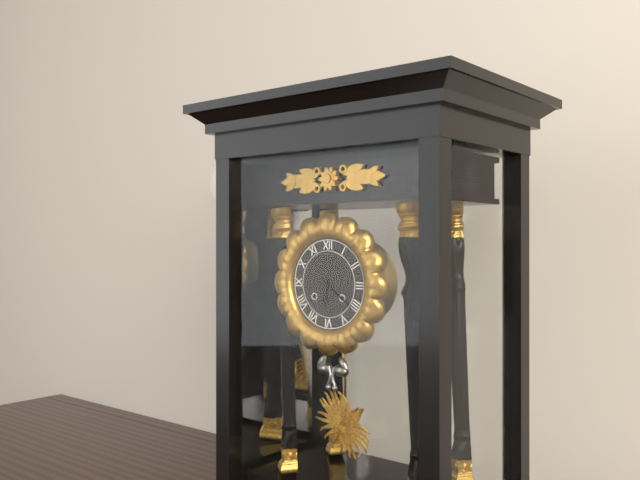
**6:21**
